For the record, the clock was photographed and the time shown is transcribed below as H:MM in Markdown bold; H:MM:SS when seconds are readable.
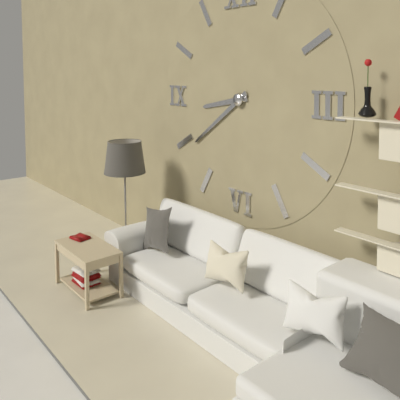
**8:39**
